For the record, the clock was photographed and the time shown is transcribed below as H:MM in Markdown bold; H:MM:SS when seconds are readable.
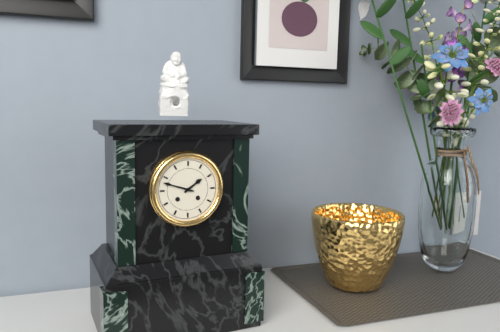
**1:48**
